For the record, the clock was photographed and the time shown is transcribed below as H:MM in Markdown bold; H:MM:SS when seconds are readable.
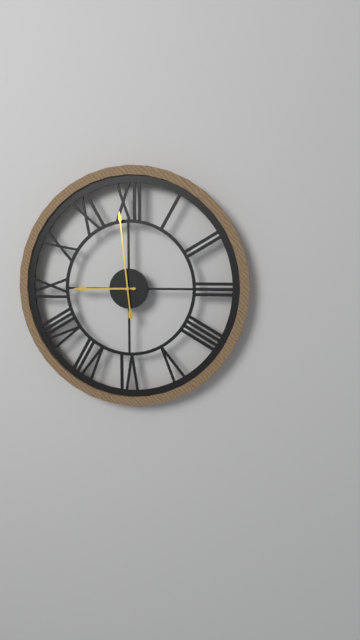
**8:59**
